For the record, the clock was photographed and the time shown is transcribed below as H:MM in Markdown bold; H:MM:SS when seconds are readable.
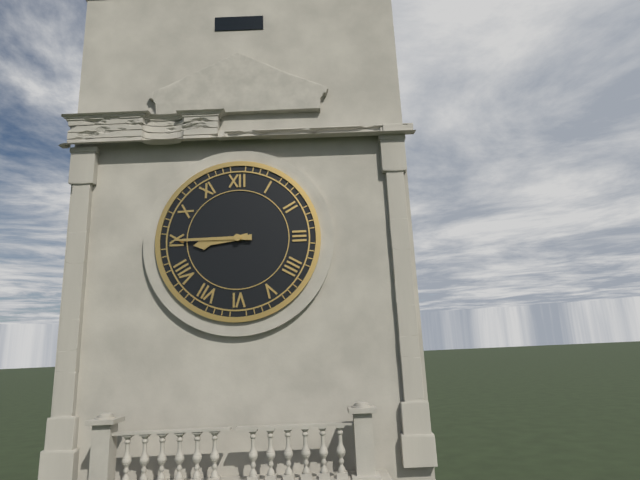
**8:45**
